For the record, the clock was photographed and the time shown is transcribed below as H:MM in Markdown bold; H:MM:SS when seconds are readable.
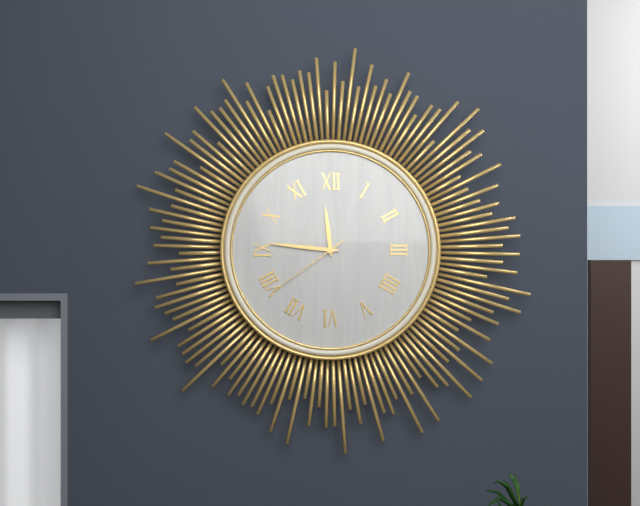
**11:46:39**
